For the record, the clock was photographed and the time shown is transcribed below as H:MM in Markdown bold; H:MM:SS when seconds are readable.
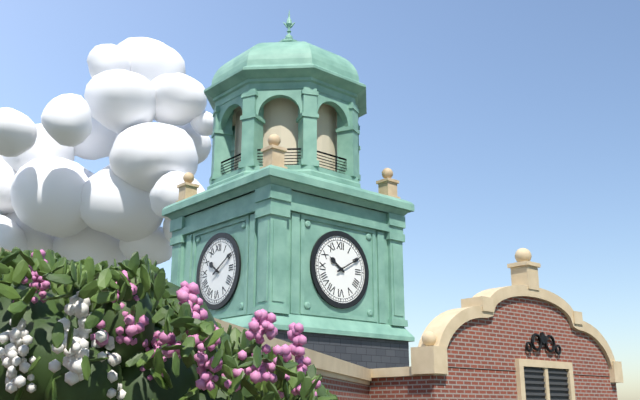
**10:10**
